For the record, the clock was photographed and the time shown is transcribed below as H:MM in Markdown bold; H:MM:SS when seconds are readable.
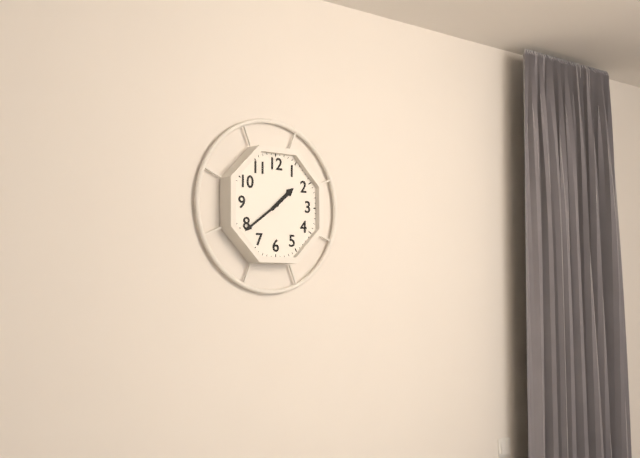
**1:39**
